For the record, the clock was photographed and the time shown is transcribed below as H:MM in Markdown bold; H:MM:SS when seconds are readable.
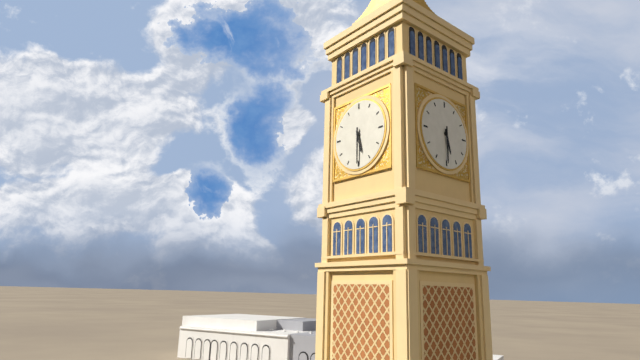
**5:30**
